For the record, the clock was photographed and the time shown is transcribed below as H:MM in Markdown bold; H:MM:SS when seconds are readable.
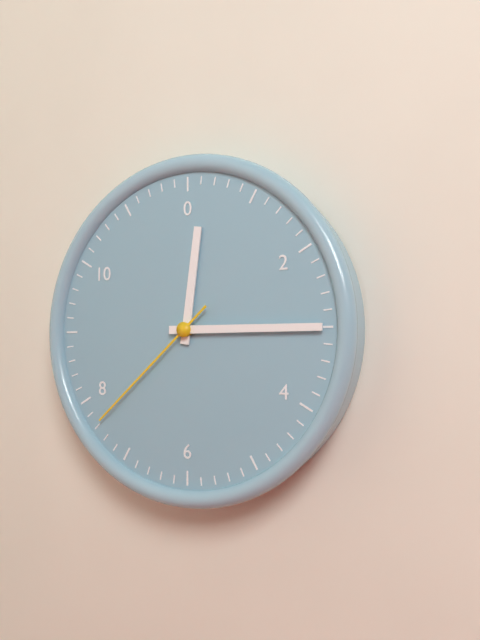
**12:15:38**
